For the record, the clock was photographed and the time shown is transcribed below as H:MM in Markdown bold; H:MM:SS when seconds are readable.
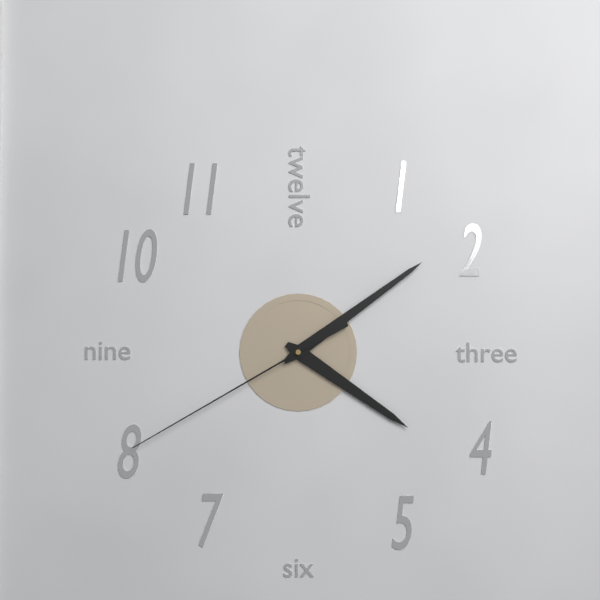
**4:09:40**
